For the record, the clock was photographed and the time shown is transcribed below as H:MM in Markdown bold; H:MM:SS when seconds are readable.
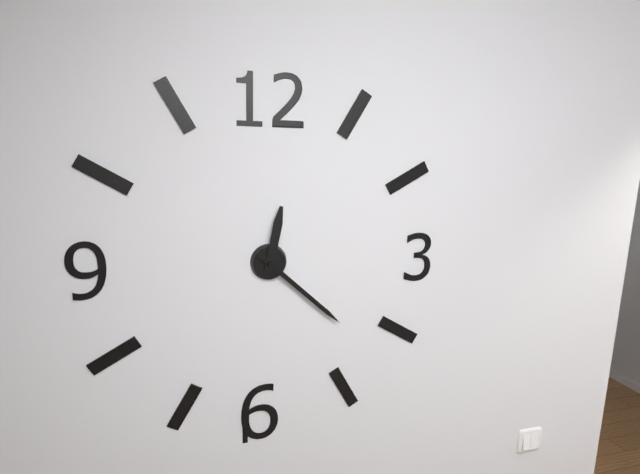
**12:22**
